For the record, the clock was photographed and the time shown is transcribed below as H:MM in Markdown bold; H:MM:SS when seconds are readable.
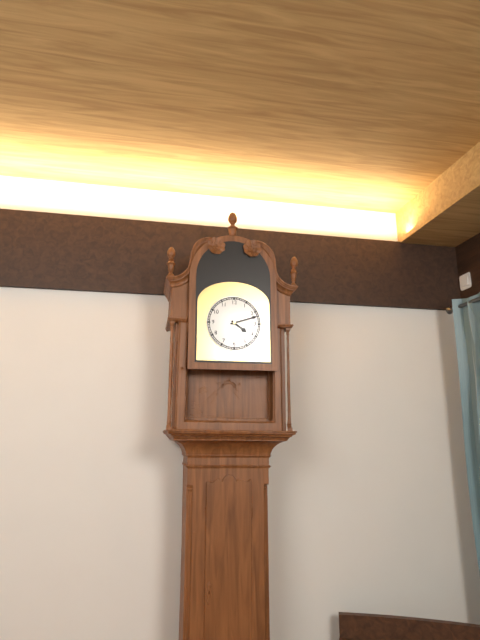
**4:12**
